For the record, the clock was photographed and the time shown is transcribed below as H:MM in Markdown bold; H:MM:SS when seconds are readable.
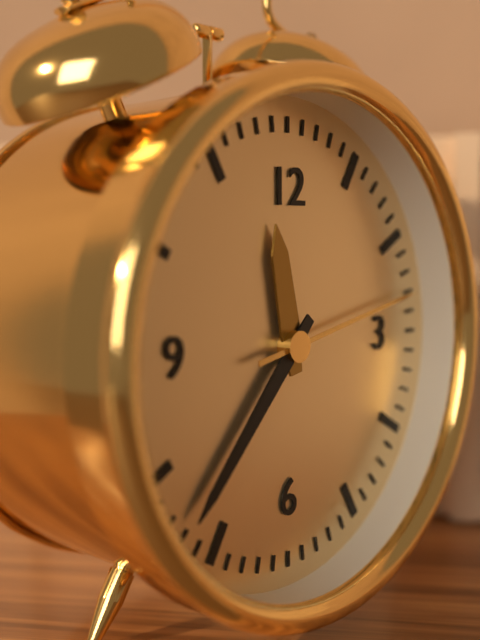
**11:37:13**
